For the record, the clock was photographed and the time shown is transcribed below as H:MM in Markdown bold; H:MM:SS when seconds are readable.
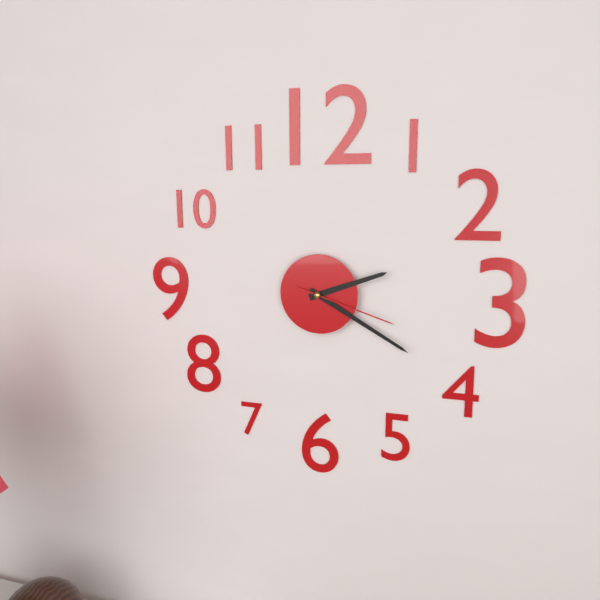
**2:20:18**
